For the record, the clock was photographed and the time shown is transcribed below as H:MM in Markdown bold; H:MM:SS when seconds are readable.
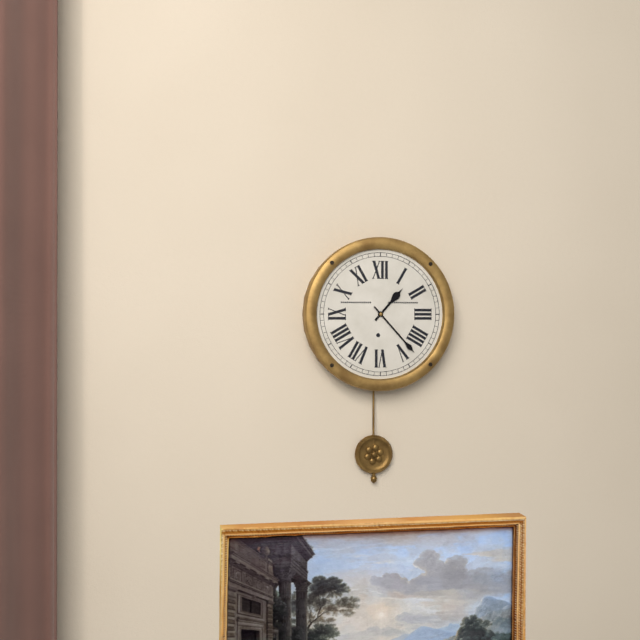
**1:23**
